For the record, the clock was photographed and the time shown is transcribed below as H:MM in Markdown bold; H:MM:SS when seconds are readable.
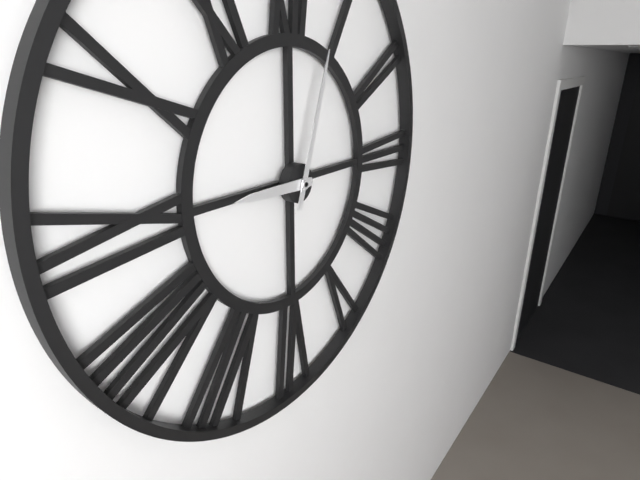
**9:03**
